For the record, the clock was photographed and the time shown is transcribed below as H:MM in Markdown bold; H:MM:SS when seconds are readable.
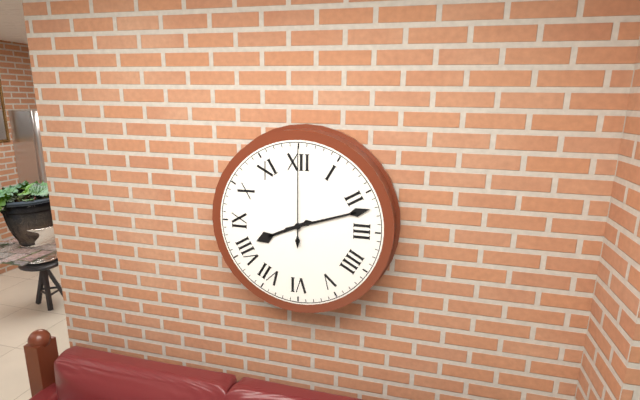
**8:12:00**
